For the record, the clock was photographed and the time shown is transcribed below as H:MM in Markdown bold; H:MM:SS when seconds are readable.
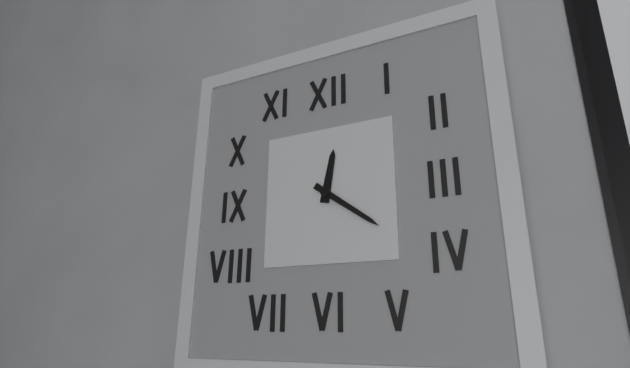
**12:21**
